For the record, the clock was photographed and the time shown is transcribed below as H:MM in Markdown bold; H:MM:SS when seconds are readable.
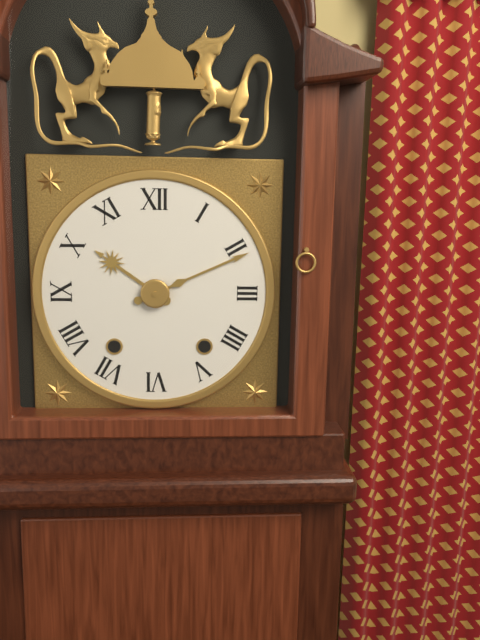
**10:11**
